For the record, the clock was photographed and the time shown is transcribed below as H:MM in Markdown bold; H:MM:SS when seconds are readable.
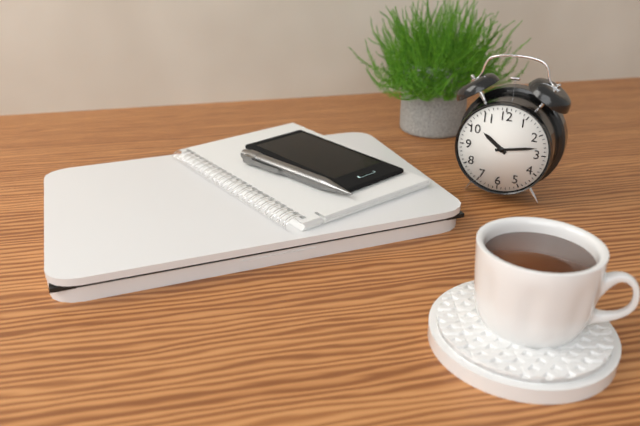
**10:13**
